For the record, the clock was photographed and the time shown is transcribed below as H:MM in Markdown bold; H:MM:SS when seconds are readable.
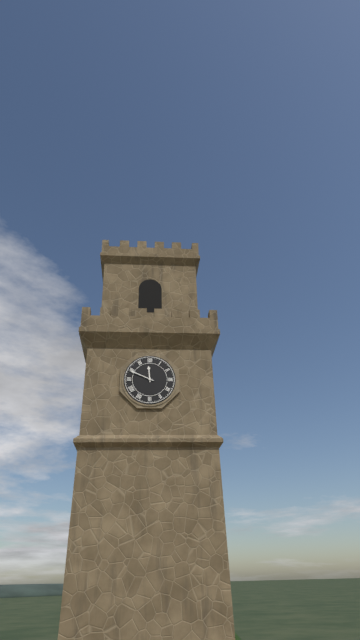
**11:49**
